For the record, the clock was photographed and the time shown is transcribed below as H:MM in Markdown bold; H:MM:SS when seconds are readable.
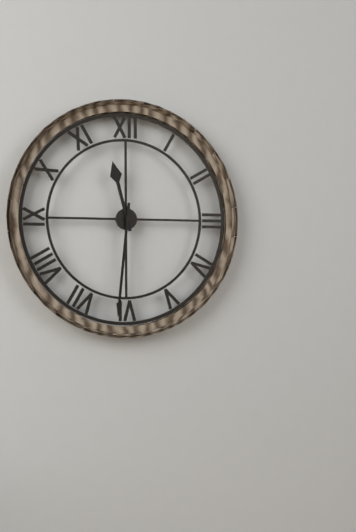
**11:31**
